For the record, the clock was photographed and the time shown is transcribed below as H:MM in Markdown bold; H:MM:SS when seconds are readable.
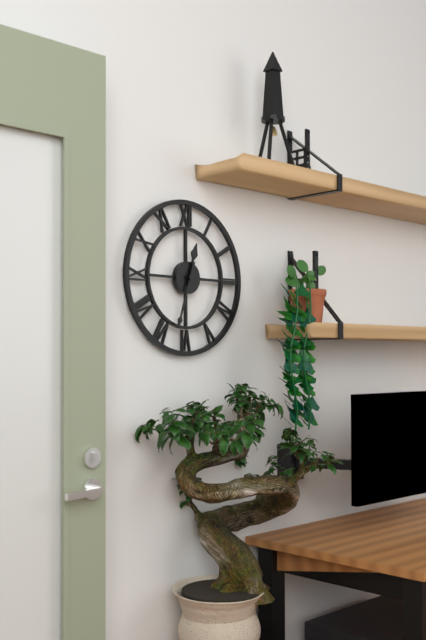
**12:33**
